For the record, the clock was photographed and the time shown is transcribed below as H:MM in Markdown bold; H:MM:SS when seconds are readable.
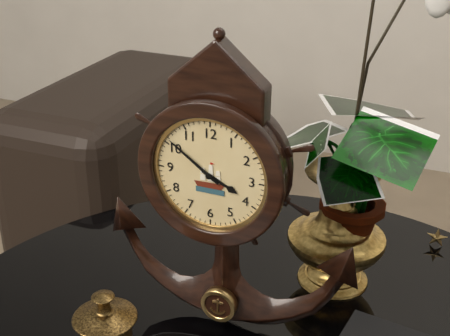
**3:51**
